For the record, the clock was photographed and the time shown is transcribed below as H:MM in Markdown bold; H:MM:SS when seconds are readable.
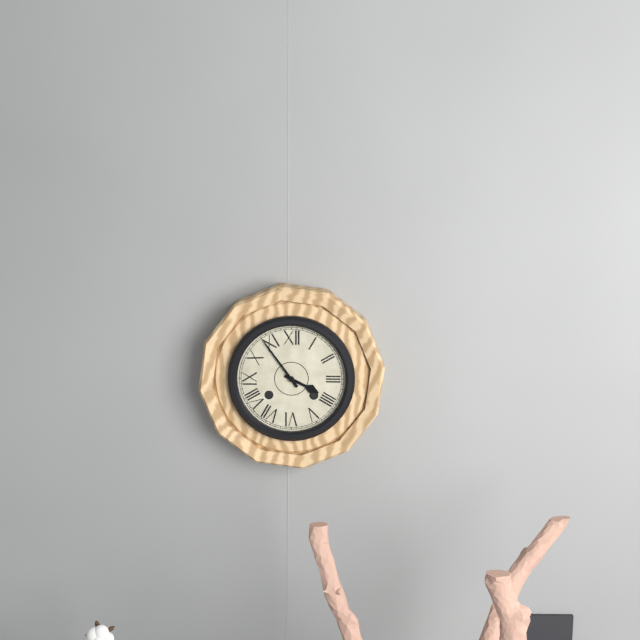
**3:54**
